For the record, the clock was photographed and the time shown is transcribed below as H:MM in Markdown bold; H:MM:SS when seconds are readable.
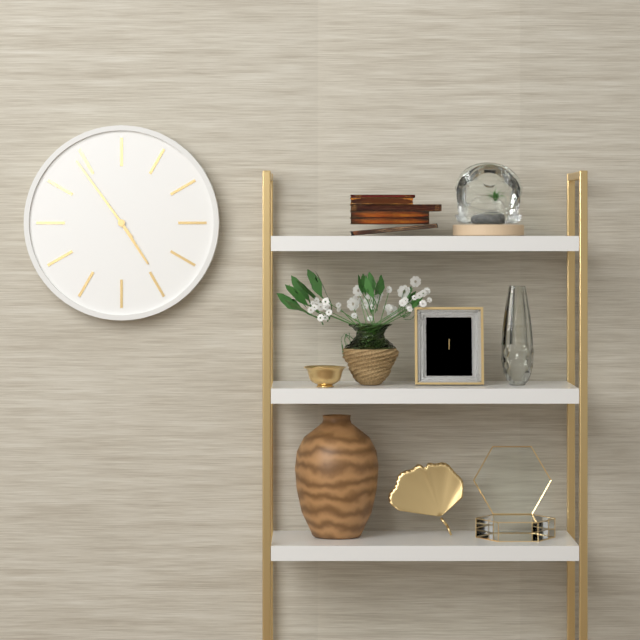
**4:54**
